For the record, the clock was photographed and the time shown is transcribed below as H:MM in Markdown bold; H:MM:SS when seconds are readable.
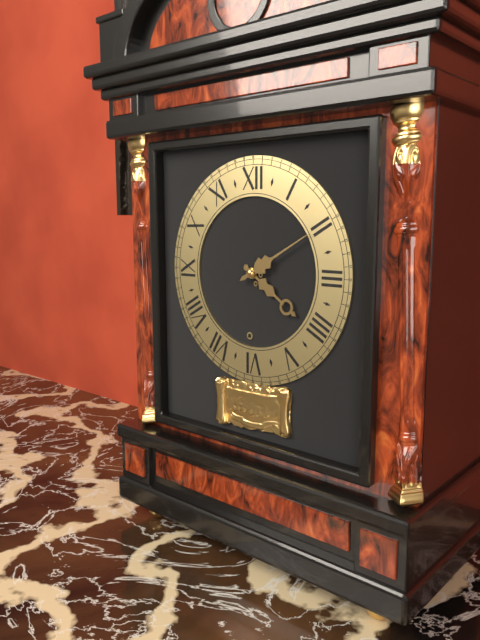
**4:10**
